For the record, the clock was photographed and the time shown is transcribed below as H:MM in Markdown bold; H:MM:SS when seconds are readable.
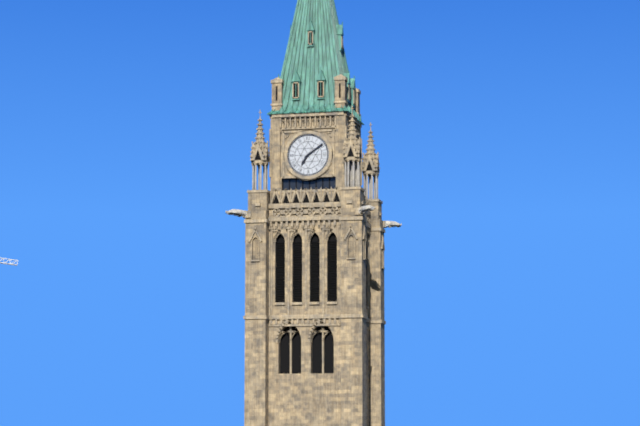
**7:09**
